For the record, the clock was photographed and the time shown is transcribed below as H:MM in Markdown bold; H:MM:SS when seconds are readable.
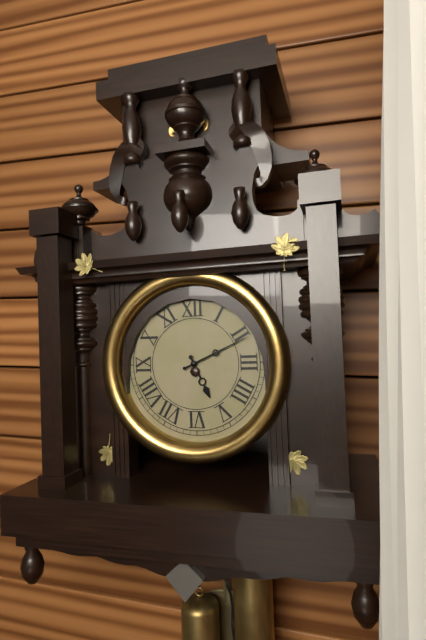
**5:11**
